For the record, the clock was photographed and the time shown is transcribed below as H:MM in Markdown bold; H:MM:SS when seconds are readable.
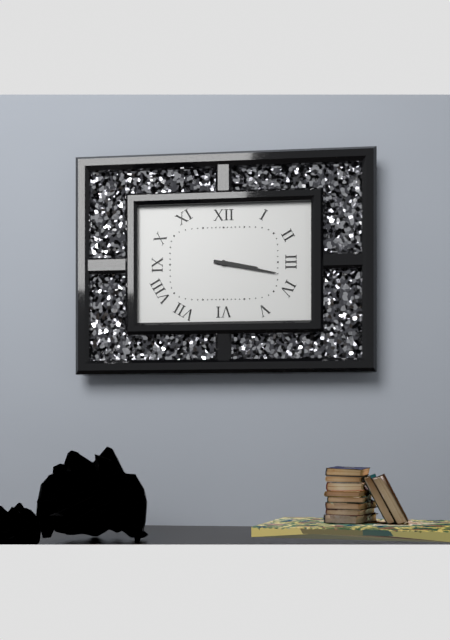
**3:17**
